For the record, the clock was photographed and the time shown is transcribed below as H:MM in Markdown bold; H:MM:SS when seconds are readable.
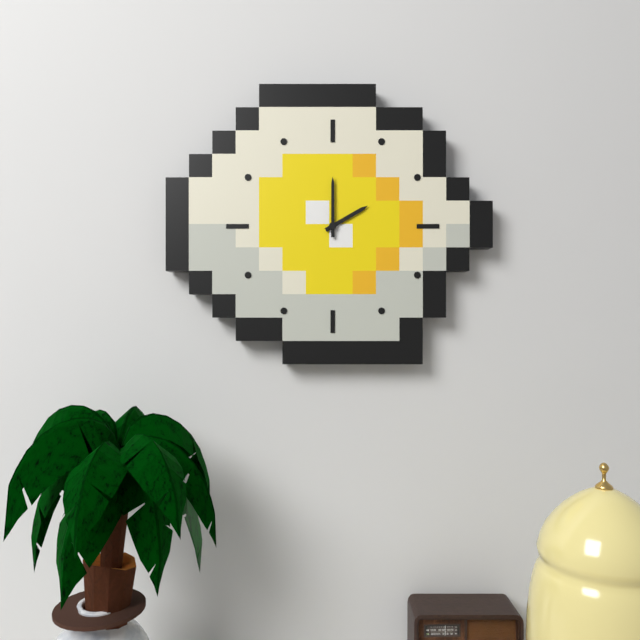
**2:00**
